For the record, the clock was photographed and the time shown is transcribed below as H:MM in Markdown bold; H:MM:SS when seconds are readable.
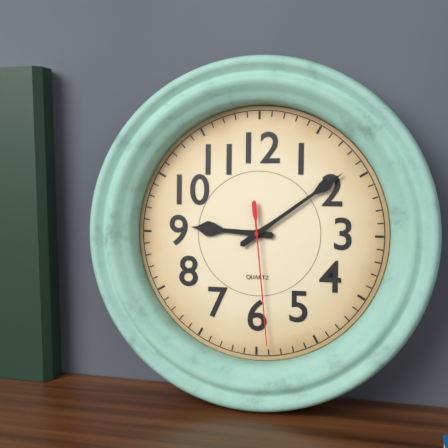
**9:09:29**
